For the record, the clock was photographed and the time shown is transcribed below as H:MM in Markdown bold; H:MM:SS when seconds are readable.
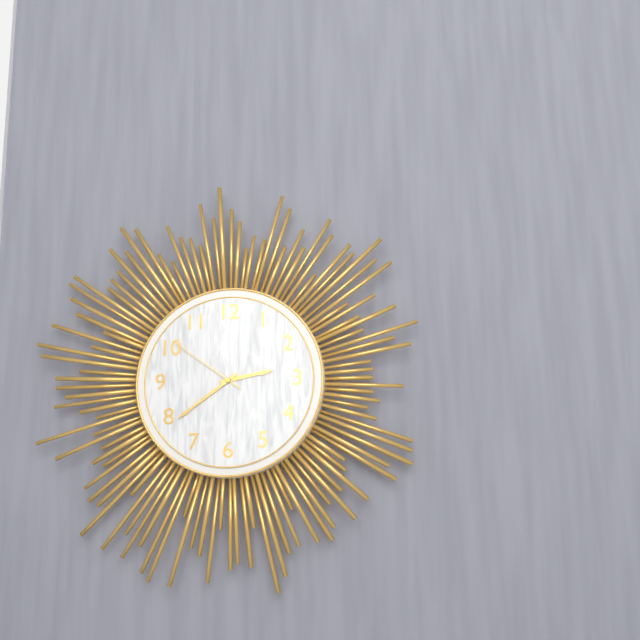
**2:39:51**
